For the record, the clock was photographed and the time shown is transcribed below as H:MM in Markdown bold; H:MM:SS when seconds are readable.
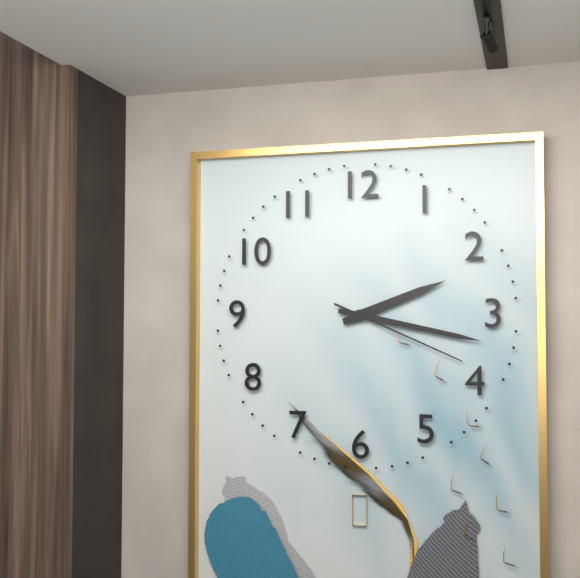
**2:17:19**
